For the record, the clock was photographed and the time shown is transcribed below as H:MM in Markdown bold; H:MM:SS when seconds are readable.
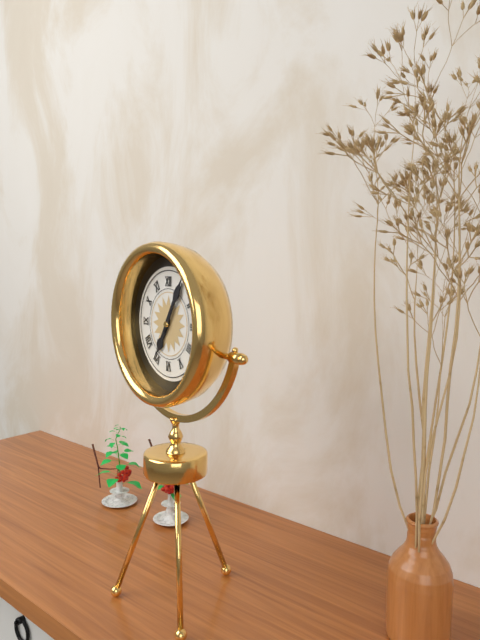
**7:05**
